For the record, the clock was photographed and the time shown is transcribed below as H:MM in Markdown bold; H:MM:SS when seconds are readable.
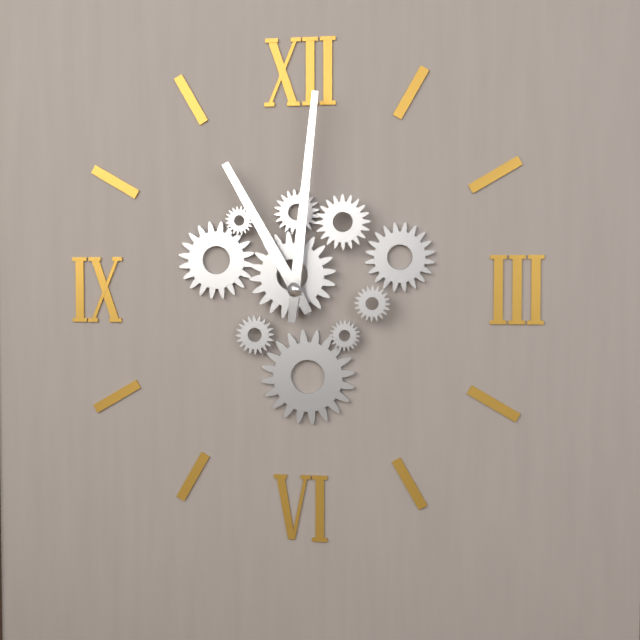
**11:01**
